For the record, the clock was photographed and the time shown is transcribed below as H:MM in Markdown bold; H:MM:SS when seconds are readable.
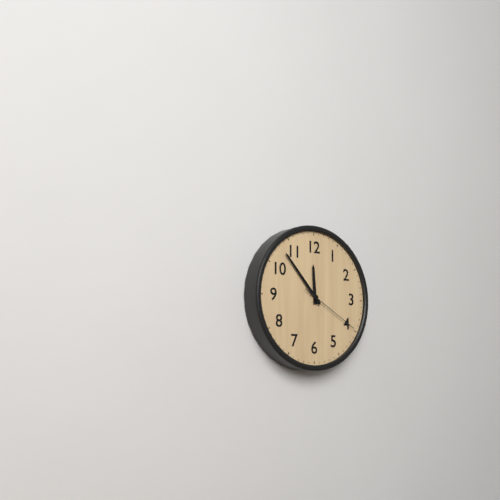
**11:53:20**
